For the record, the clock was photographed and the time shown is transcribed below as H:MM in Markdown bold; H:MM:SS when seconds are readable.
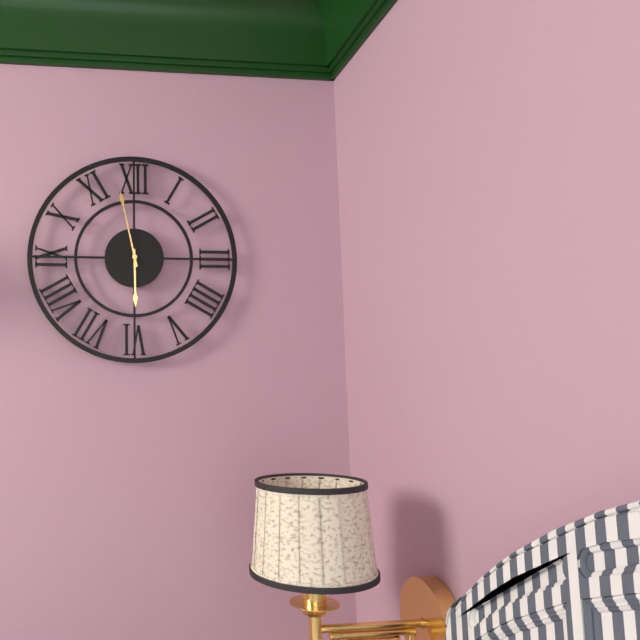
**5:58**
